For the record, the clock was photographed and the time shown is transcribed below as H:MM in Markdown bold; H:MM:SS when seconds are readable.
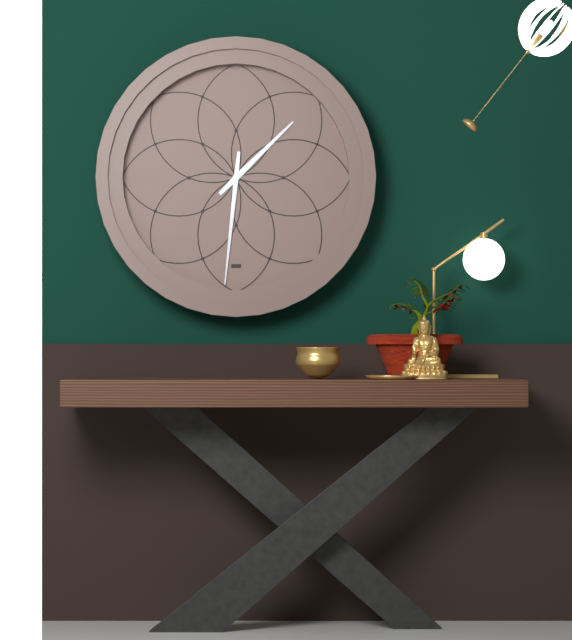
**1:31**
